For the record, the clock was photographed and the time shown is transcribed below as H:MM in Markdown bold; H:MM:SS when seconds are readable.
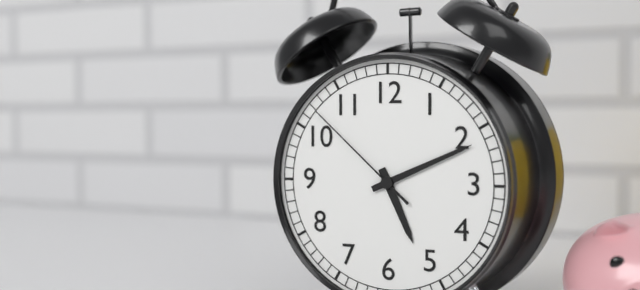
**5:11:52**
